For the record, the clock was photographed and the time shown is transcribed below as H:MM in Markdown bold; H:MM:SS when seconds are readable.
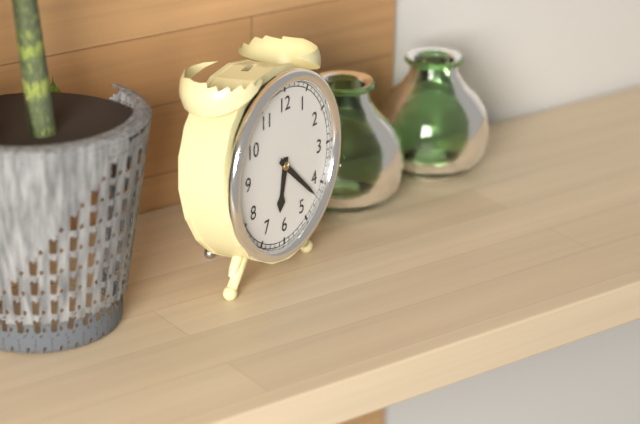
**6:22**
